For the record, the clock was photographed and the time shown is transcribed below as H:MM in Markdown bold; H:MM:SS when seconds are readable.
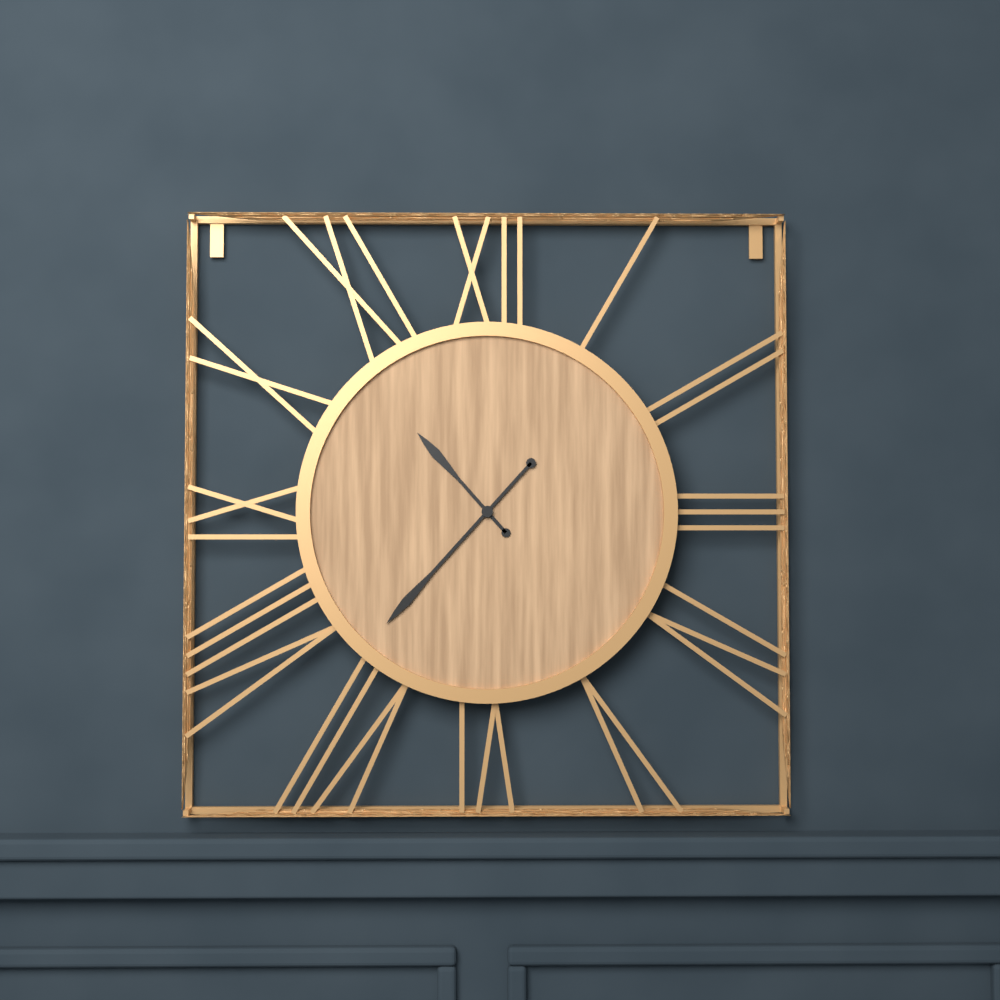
**10:37**
